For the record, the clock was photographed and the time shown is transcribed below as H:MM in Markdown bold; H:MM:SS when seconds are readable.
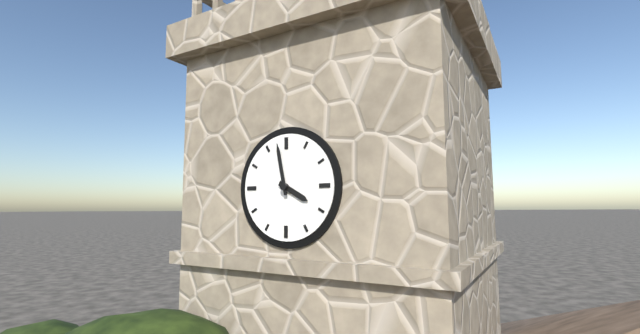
**3:58**
